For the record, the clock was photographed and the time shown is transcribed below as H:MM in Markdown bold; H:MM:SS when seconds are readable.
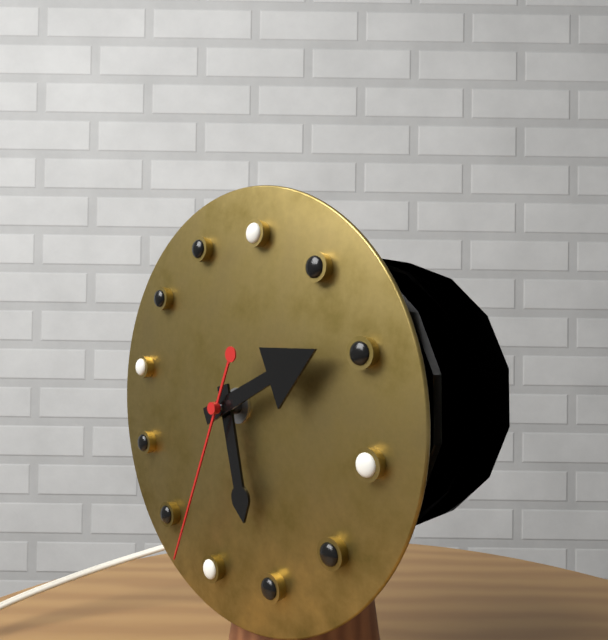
**5:09:32**
